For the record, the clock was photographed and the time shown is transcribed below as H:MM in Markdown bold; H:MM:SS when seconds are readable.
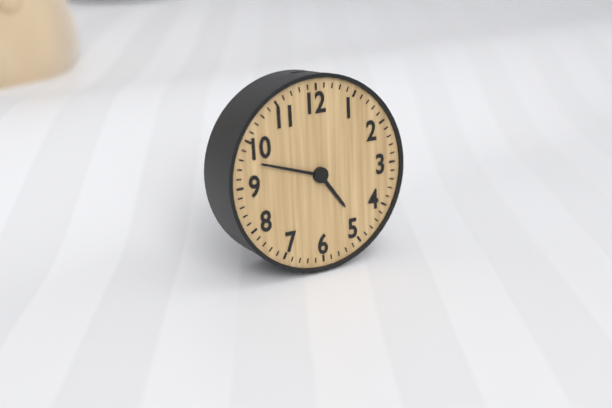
**4:48**
